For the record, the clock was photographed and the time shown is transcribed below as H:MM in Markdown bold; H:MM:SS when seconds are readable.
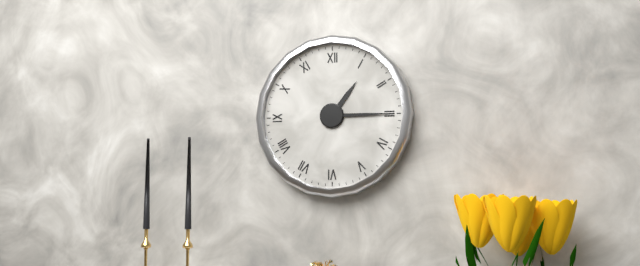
**1:15**
